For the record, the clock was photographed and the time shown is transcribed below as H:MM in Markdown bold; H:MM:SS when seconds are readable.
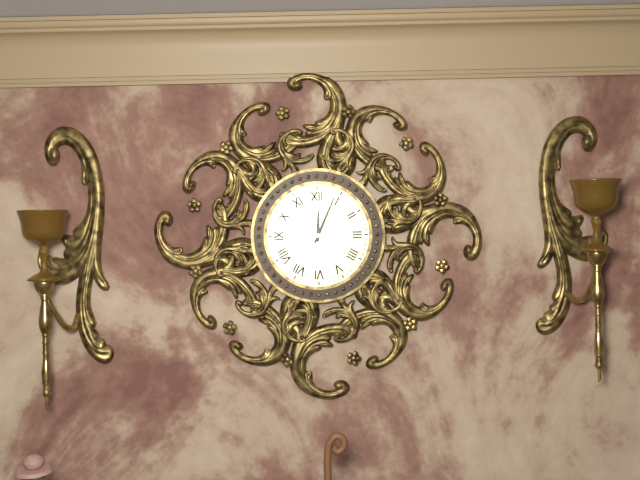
**12:04**
